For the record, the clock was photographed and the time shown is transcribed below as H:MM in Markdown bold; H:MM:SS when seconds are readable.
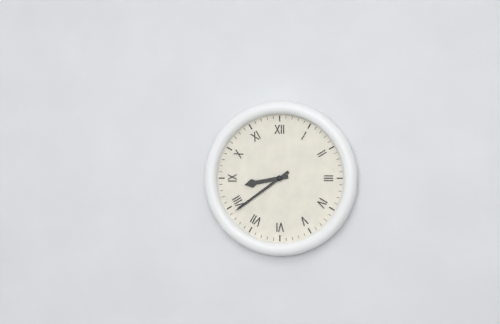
**8:39**
